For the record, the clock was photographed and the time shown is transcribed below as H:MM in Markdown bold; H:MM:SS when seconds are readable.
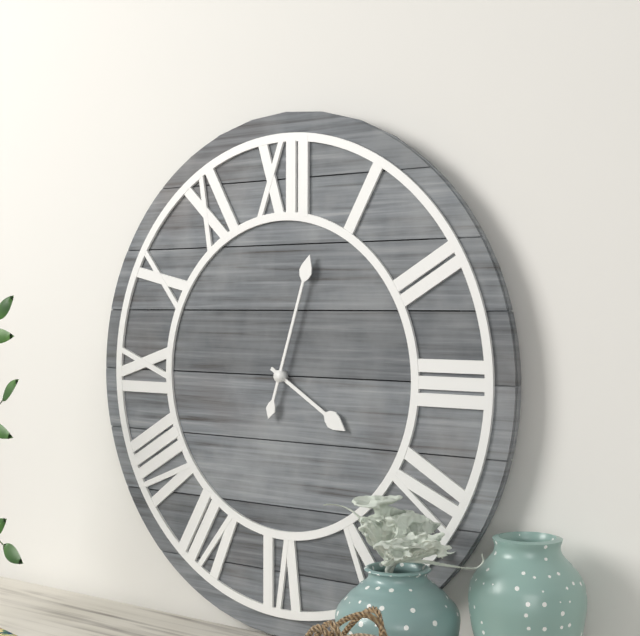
**4:03**
